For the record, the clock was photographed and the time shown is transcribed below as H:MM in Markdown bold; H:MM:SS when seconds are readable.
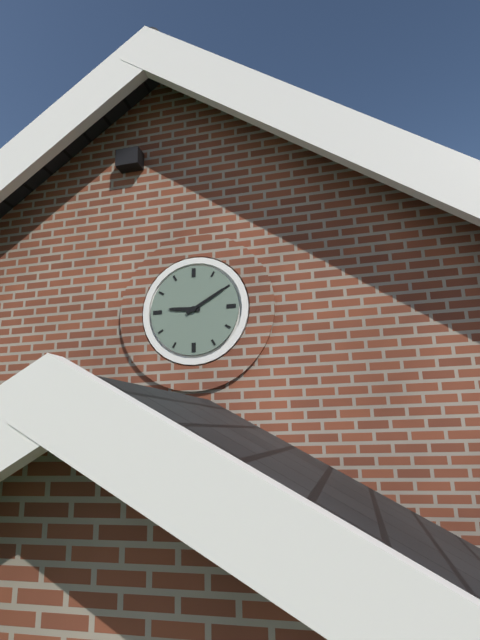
**9:10**
